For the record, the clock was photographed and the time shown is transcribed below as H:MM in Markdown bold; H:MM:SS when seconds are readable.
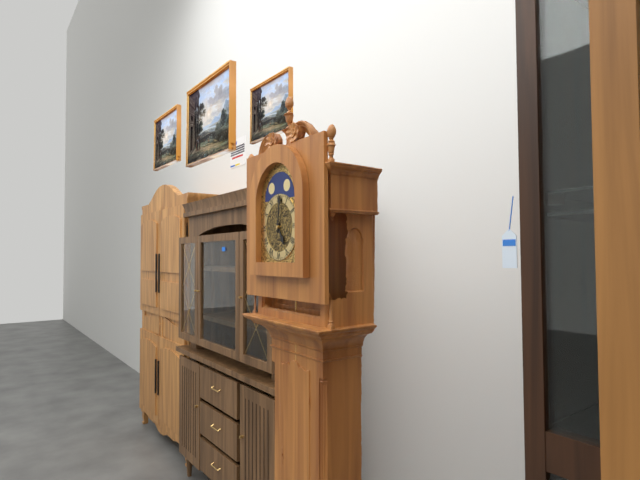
**5:01**
